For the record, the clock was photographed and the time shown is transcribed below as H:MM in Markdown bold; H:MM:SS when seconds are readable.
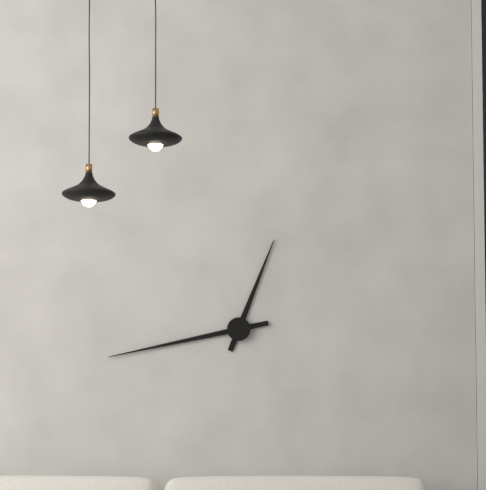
**12:43**
